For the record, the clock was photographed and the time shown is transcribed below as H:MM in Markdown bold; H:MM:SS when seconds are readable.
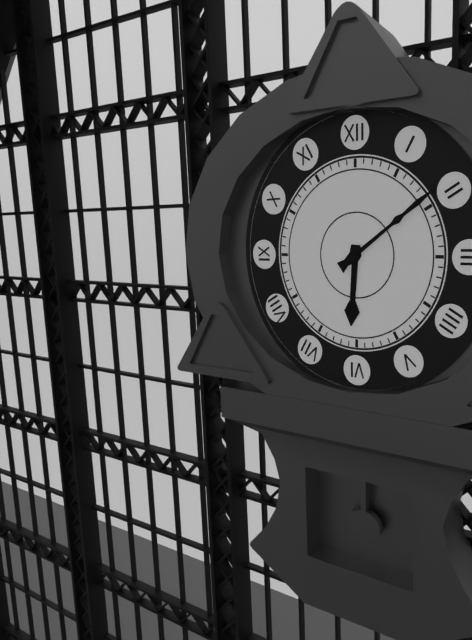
**6:09**
